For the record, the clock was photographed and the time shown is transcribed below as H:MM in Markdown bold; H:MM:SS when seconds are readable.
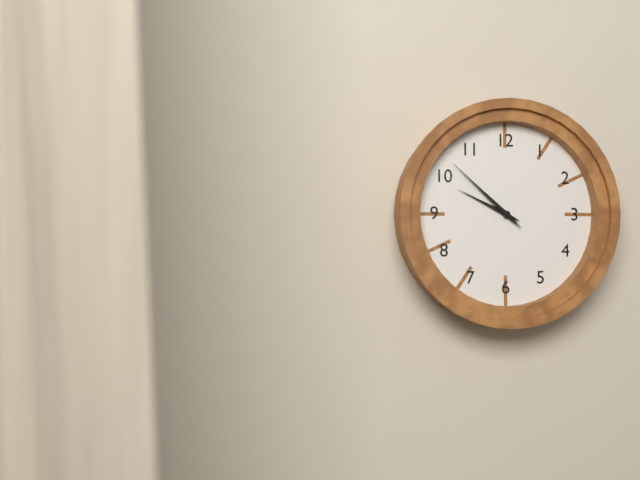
**9:52**
